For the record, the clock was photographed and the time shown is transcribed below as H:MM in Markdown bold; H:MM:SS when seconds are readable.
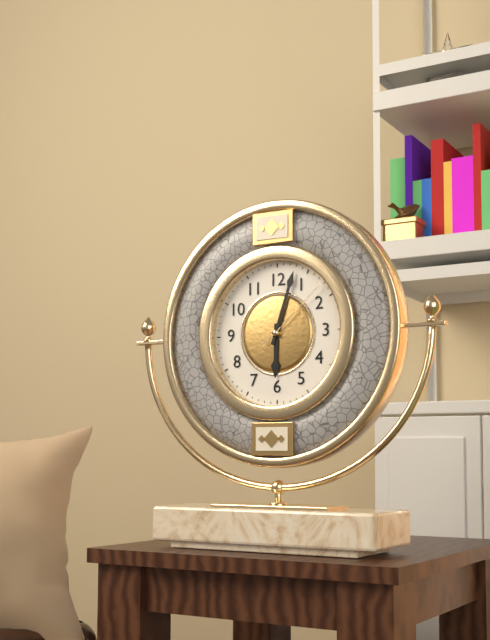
**6:03:08**
